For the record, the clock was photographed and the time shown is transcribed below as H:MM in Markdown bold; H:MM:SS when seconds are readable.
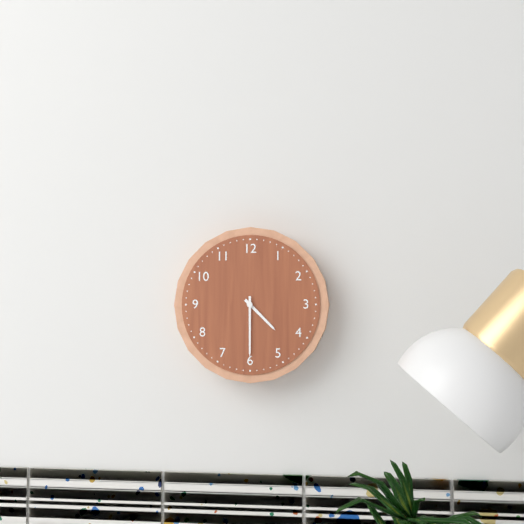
**4:30**
